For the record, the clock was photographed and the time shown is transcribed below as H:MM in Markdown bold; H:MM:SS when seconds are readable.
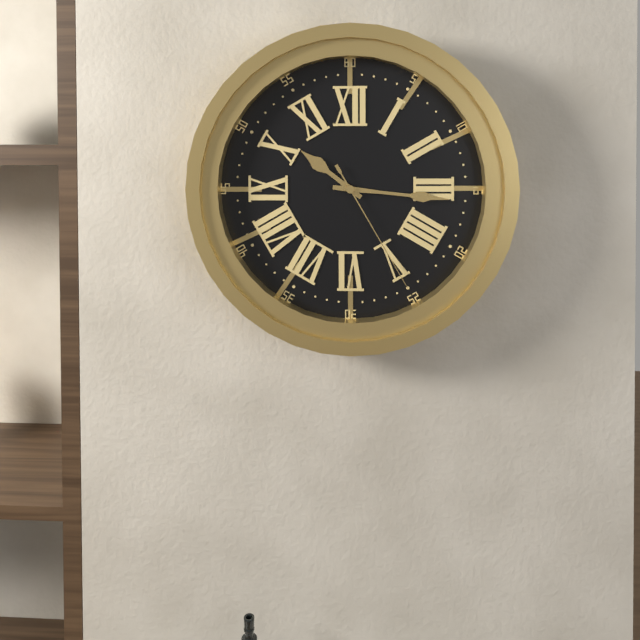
**10:16:25**
